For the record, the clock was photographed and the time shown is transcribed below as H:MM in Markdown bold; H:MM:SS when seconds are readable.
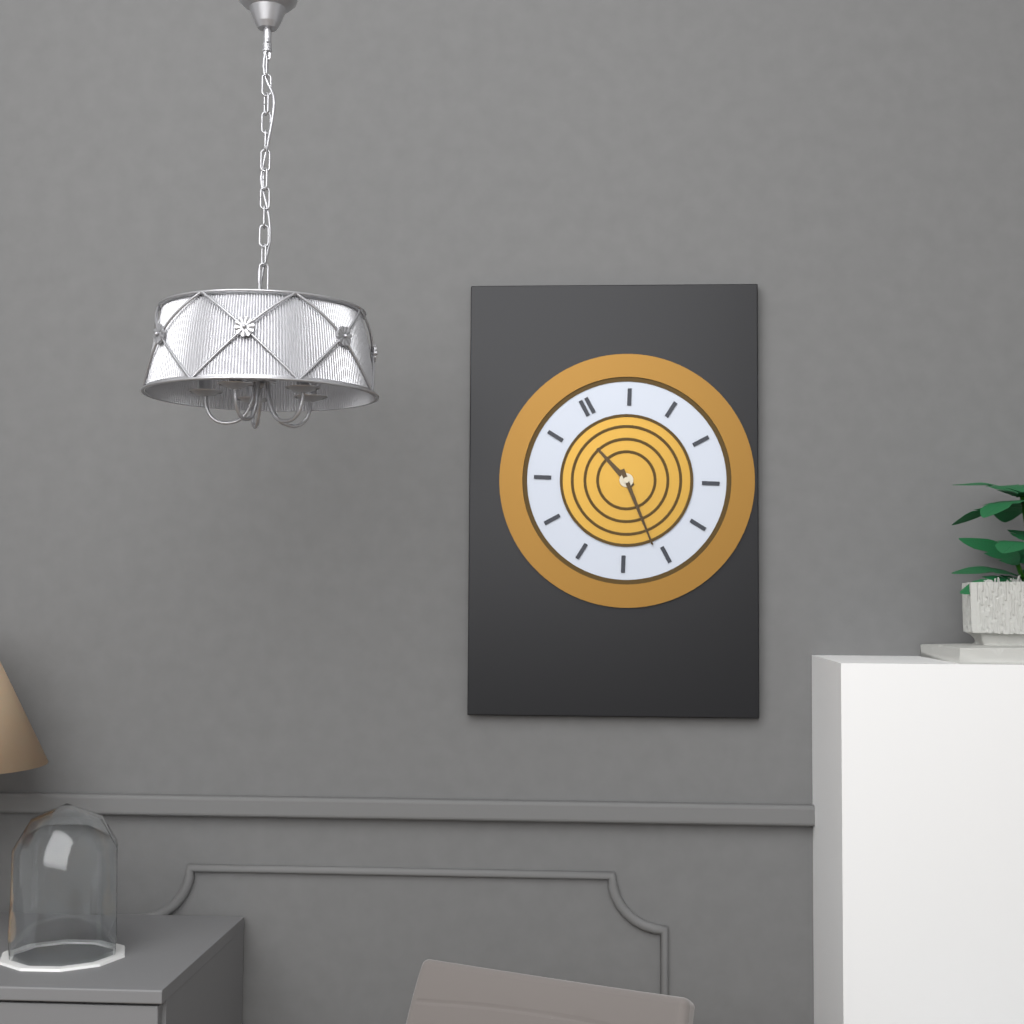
**11:31**
